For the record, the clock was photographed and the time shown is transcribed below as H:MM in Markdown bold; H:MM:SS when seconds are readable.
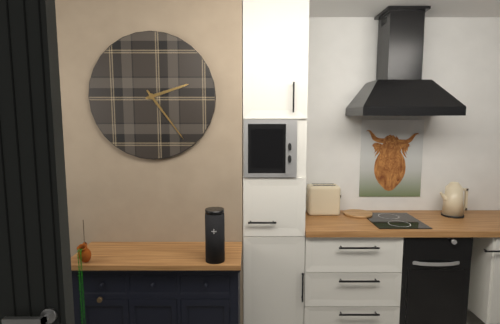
**2:24**
